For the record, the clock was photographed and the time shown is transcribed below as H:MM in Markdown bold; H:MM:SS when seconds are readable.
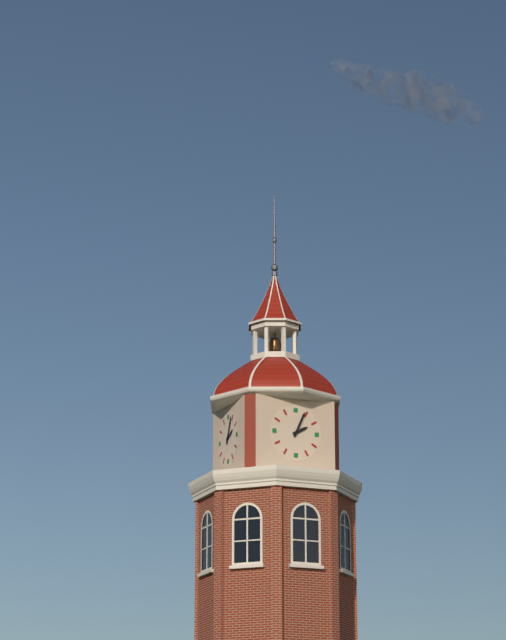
**2:04**
